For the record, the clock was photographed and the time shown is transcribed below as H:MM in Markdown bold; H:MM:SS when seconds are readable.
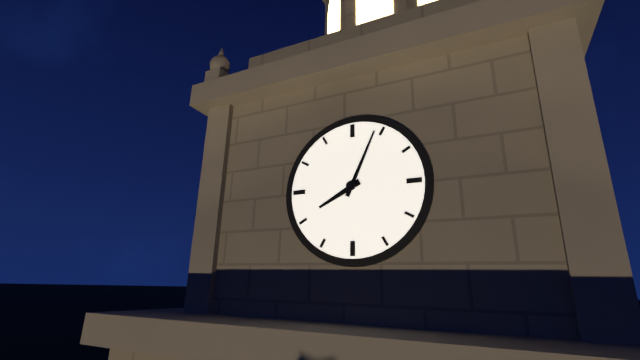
**8:04**
